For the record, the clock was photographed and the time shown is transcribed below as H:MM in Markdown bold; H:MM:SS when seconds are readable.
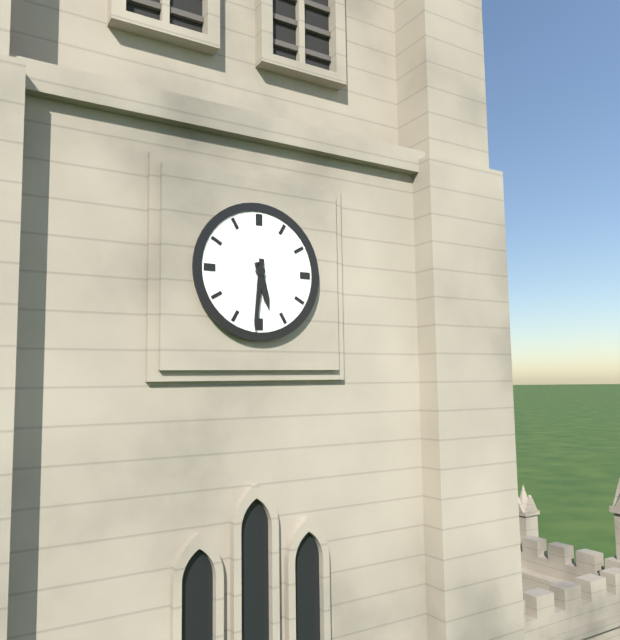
**5:31**
